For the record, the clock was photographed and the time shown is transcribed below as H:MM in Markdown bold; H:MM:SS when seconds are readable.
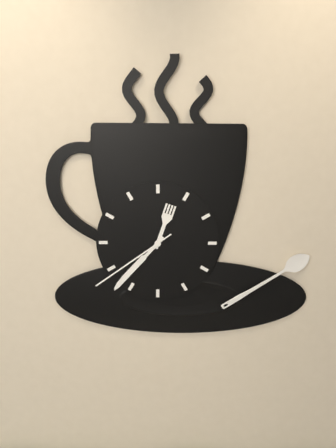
**12:37:39**
